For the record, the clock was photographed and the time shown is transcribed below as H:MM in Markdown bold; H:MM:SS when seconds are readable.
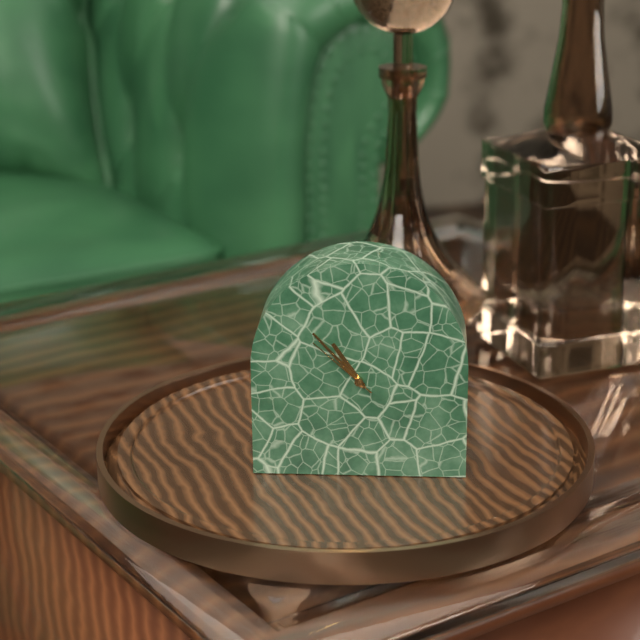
**10:53:52**
